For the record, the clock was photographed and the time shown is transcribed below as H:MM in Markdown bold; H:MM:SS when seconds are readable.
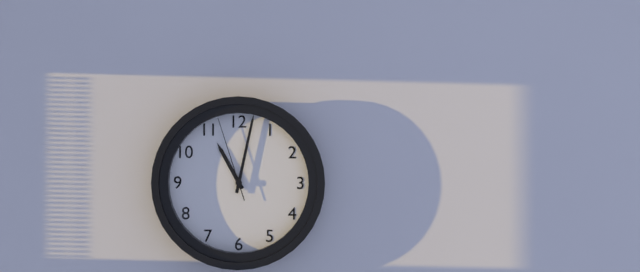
**11:02:57**
